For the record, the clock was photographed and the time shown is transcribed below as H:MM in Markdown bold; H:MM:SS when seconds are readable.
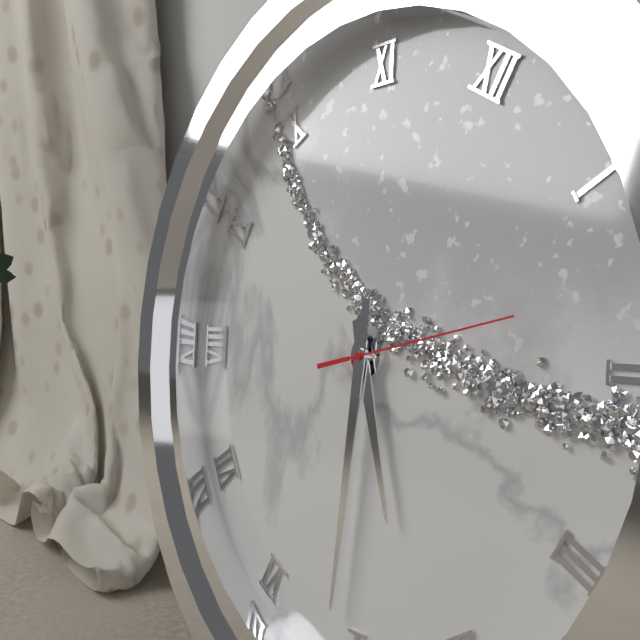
**4:26:08**
